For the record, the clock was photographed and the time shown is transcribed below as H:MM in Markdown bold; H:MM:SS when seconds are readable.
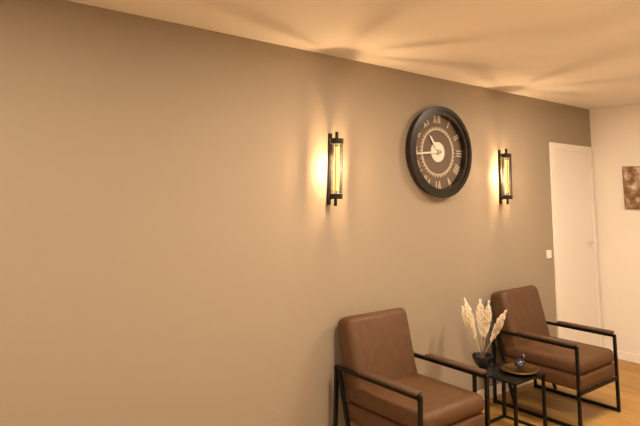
**10:44**
